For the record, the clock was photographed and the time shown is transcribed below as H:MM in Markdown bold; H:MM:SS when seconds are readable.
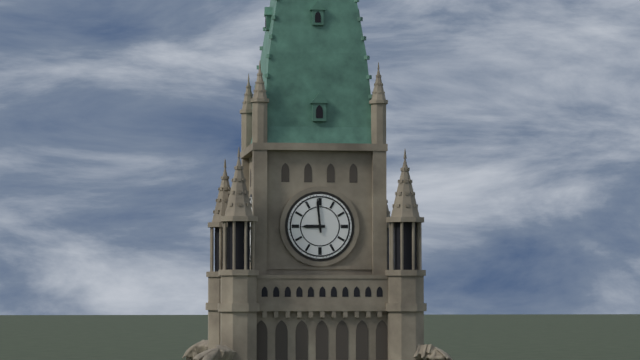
**8:59**
